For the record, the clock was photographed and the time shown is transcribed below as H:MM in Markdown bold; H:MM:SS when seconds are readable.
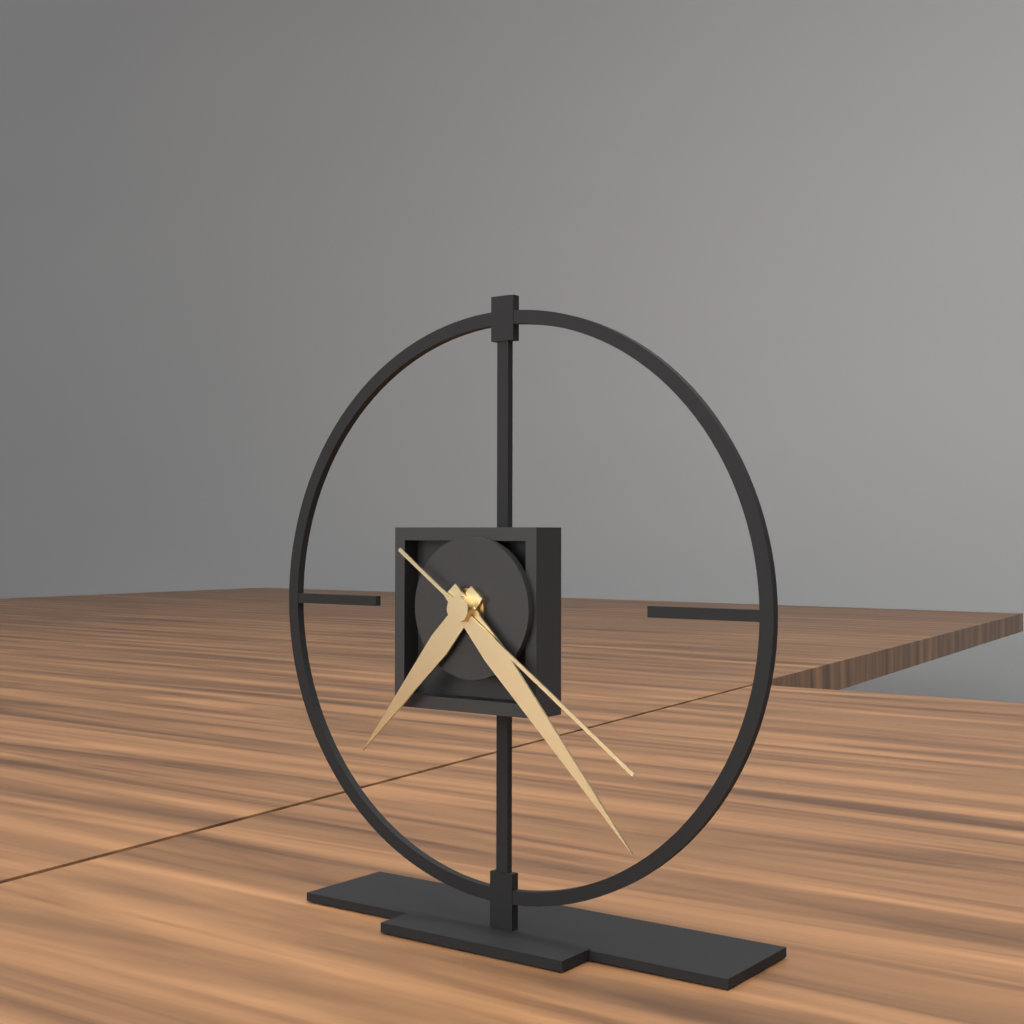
**7:23:21**
